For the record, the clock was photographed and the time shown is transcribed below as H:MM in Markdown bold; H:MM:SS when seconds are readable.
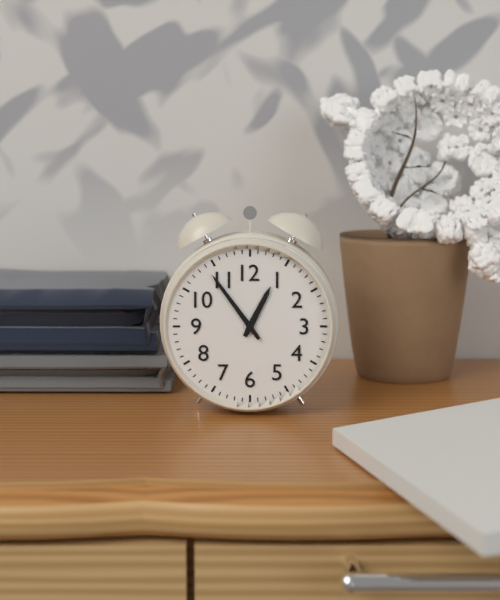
**12:54**
